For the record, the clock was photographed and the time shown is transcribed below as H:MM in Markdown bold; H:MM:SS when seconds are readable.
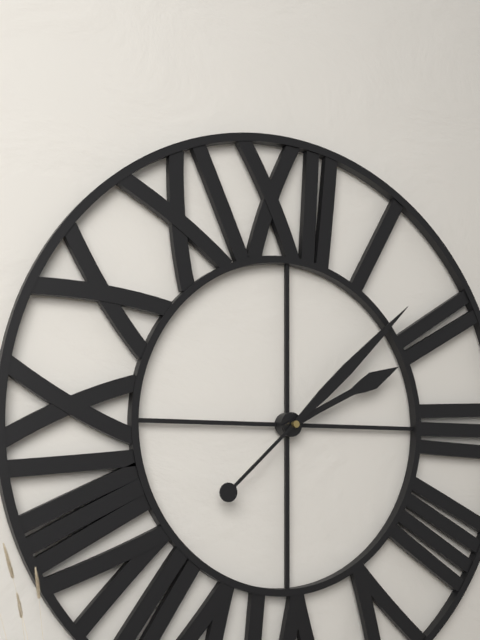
**2:08**
